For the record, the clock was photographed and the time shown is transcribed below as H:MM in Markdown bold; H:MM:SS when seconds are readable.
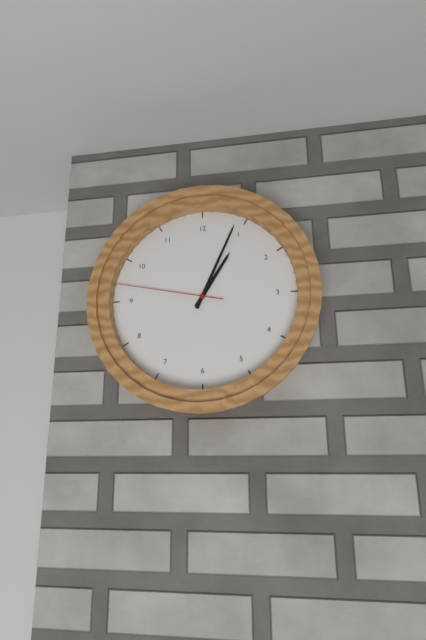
**1:04:47**
